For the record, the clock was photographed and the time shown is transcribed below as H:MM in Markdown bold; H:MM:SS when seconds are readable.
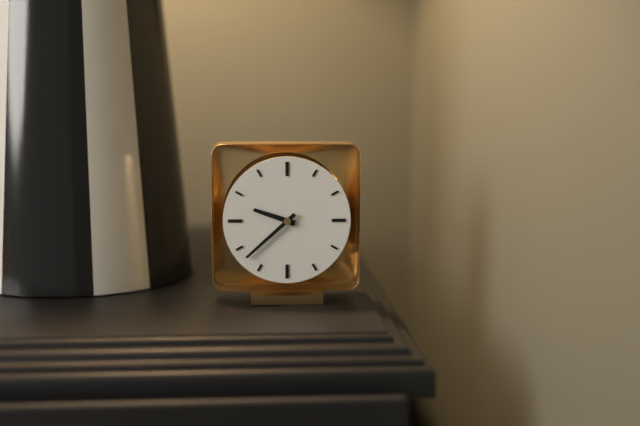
**9:38**
